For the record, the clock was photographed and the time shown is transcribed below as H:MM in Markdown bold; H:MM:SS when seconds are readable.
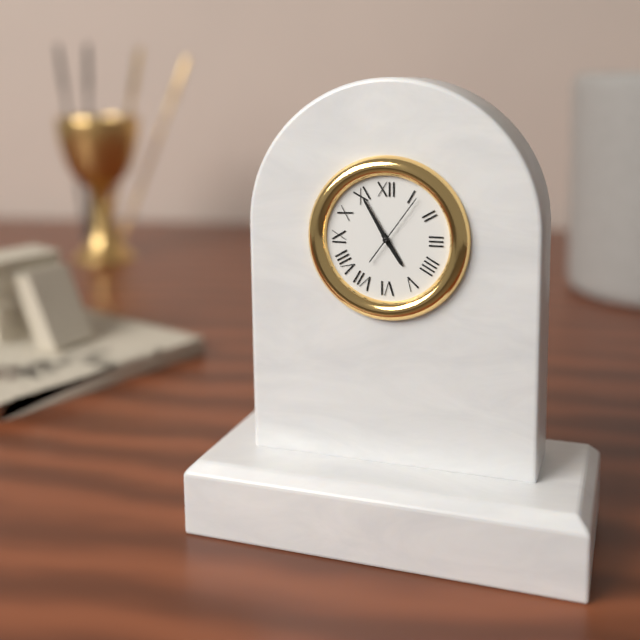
**4:55:06**
